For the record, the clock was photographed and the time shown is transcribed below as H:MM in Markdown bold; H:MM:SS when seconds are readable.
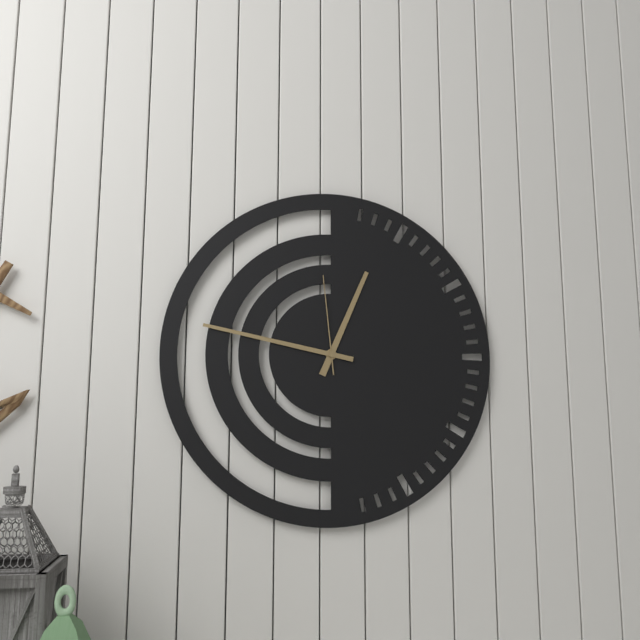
**12:47:59**
